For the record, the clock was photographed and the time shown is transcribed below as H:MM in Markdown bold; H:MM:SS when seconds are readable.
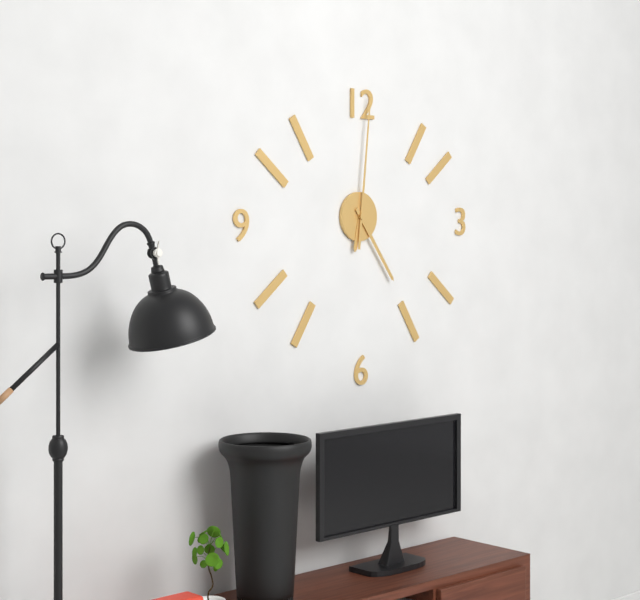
**6:24:01**
